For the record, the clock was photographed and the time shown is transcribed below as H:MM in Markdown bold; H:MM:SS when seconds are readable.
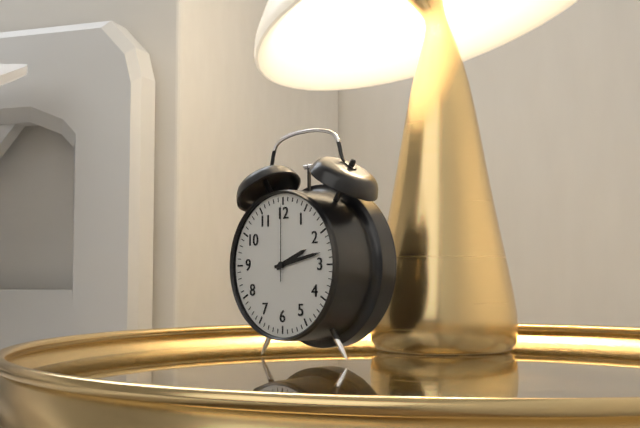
**2:13:00**
